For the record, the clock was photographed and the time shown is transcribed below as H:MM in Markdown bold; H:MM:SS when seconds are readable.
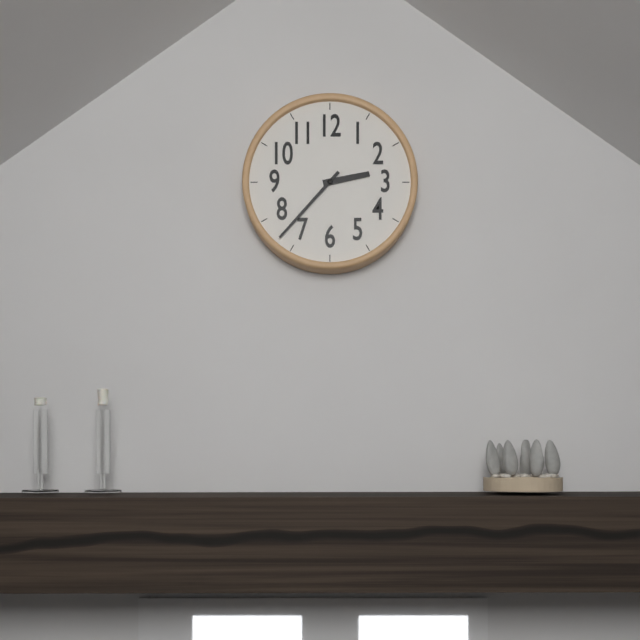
**2:37**
